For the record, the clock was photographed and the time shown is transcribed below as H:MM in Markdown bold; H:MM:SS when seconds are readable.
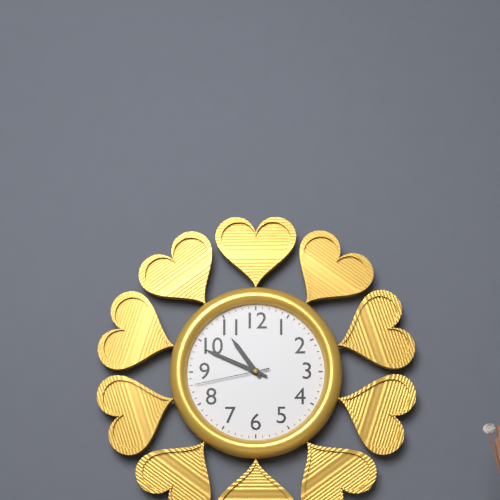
**10:49:43**
